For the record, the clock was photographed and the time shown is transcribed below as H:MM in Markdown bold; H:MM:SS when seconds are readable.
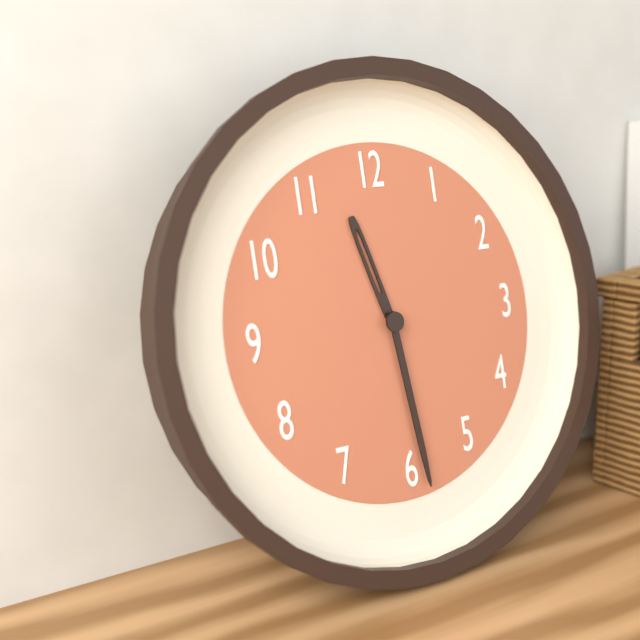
**11:29**
